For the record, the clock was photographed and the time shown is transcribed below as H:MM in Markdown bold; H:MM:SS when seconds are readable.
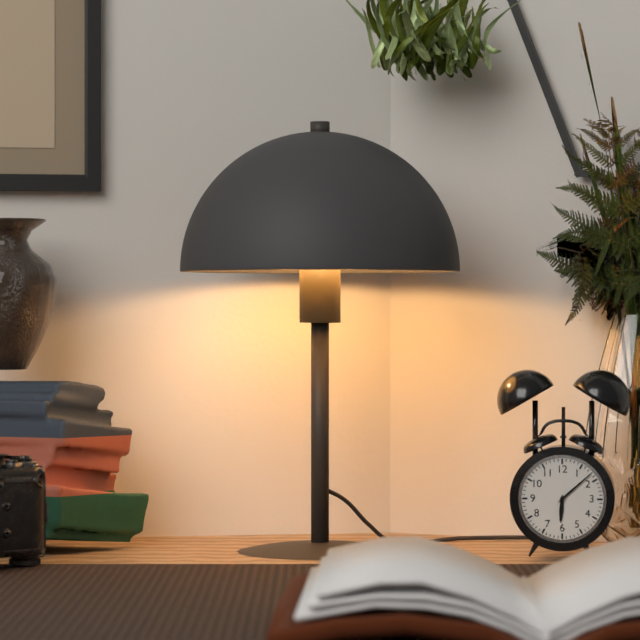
**6:08**
